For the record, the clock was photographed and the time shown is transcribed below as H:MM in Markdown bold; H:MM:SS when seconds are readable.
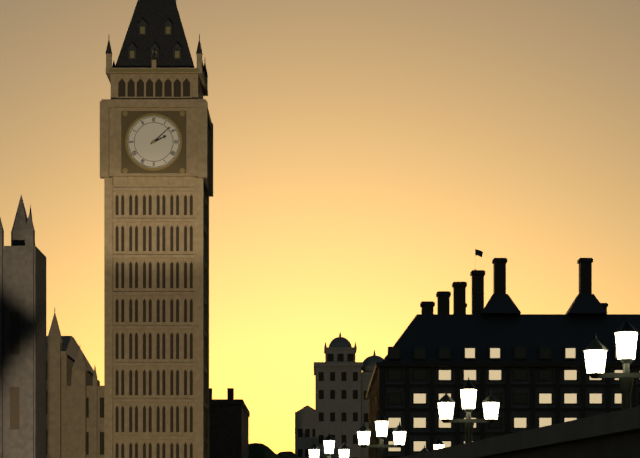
**2:08**
